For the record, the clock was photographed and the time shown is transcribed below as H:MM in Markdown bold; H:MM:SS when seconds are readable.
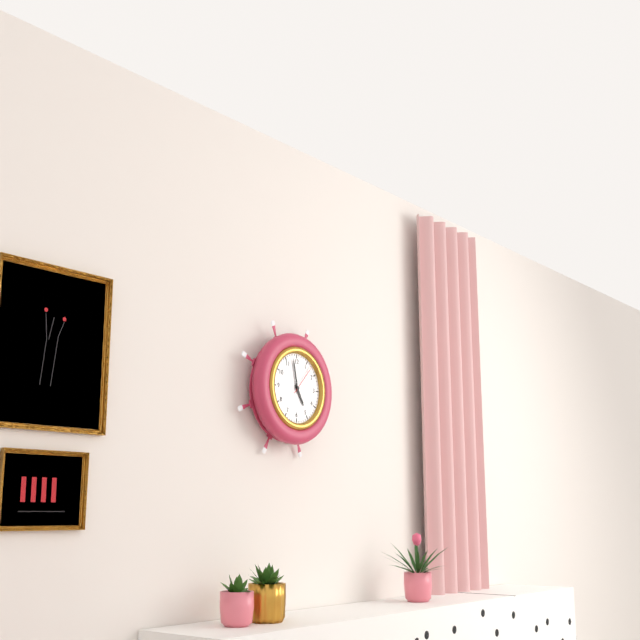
**4:58**
